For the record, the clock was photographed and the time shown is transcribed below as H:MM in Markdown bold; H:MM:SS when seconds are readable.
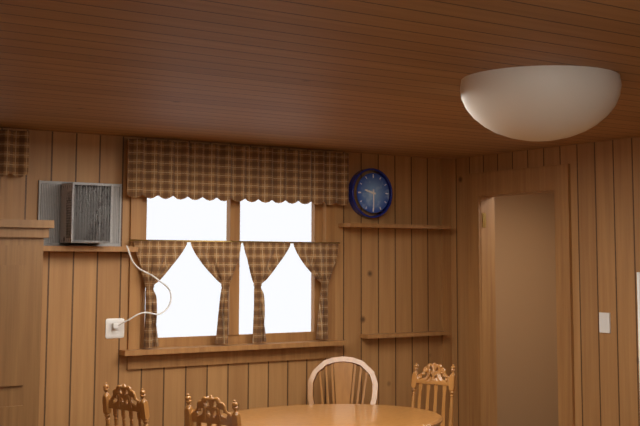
**9:30**
